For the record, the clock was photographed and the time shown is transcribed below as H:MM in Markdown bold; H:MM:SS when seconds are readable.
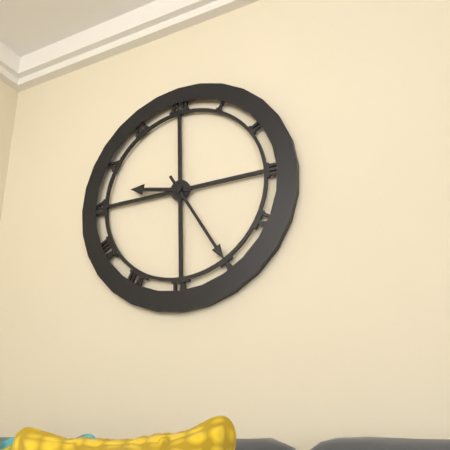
**9:25**
